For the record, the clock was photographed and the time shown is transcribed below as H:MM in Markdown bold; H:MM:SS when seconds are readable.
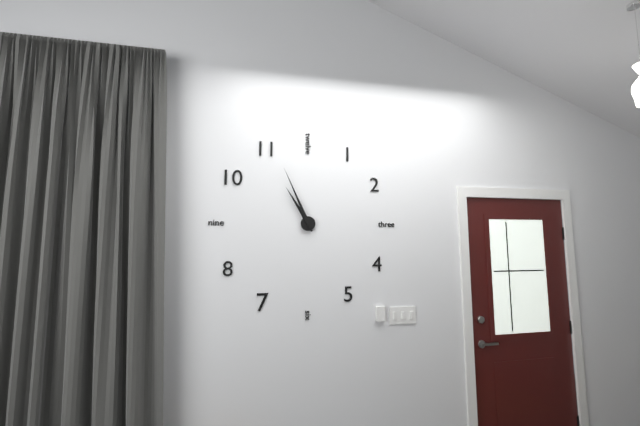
**10:56**
